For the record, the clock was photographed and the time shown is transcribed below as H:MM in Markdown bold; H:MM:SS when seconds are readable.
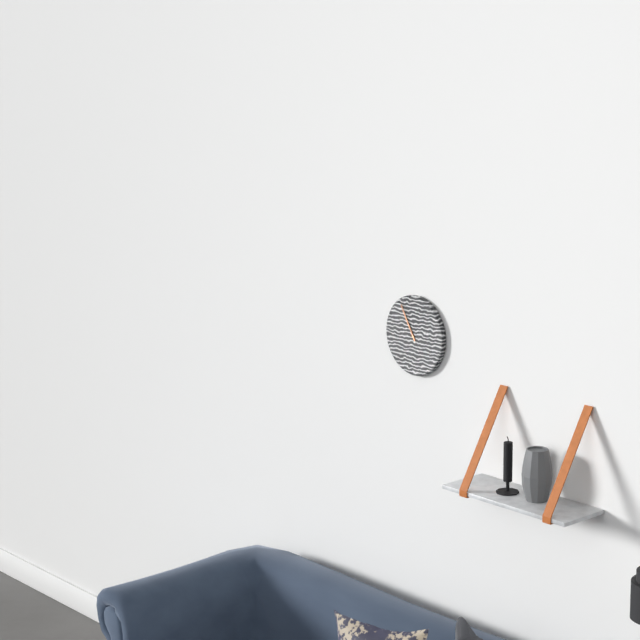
**10:55**
